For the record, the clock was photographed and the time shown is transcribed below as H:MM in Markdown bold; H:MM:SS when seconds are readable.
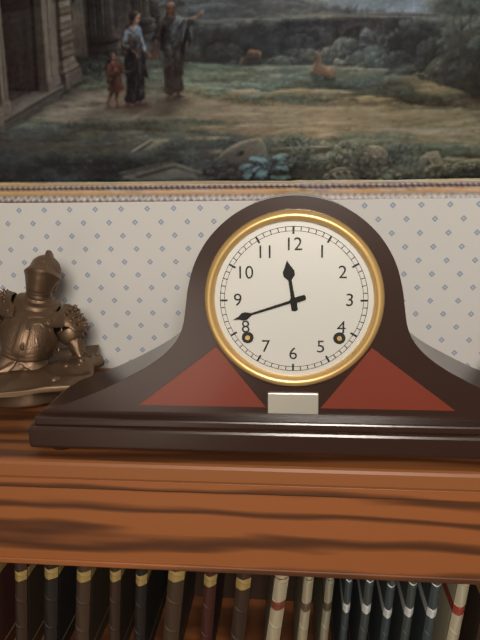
**11:42**
